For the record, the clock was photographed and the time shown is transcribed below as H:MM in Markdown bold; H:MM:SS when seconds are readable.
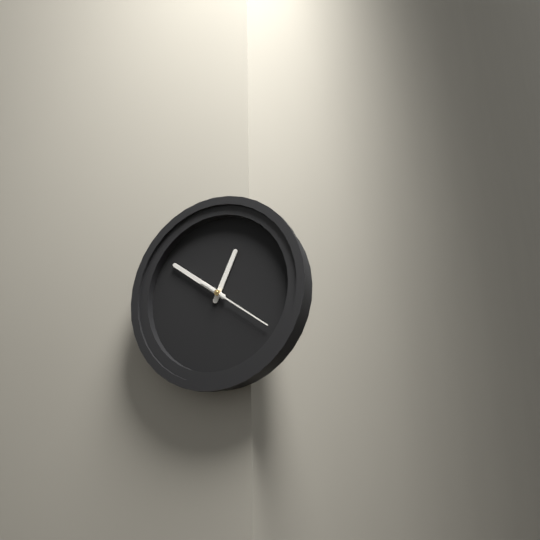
**12:51:21**
